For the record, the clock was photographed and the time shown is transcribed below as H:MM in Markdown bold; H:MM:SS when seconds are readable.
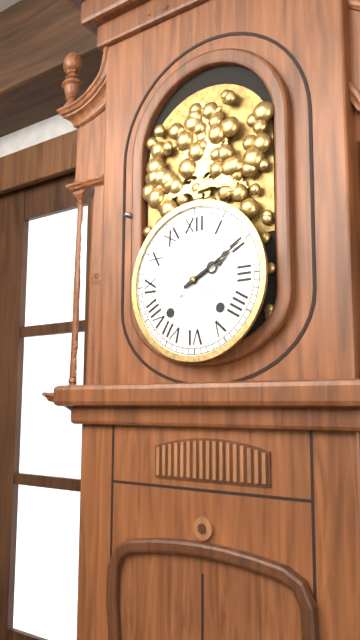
**2:10**
